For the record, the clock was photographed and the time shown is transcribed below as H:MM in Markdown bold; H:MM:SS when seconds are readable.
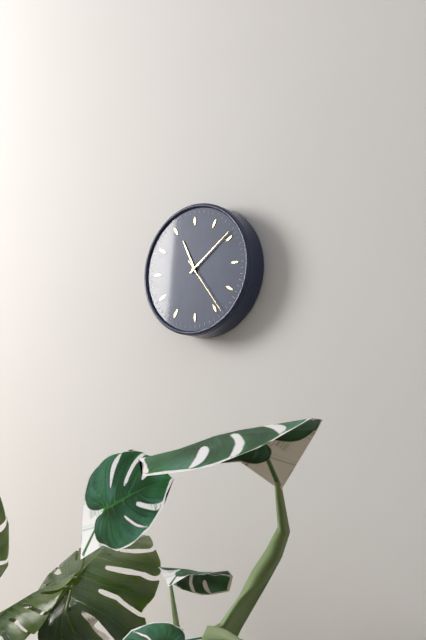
**11:09:24**
